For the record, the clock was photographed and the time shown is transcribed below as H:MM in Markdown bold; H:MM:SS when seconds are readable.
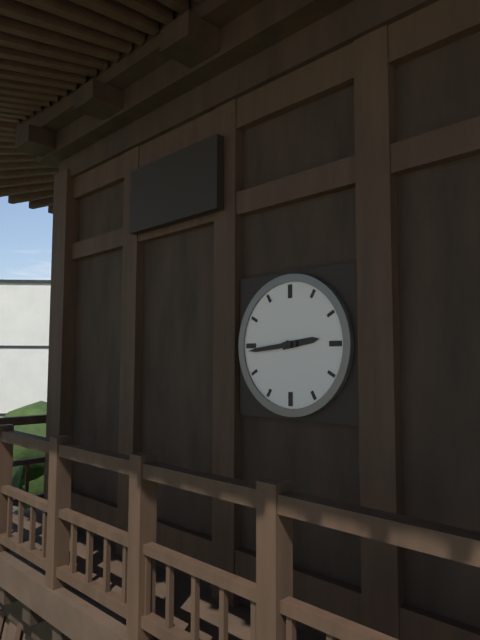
**2:44**
